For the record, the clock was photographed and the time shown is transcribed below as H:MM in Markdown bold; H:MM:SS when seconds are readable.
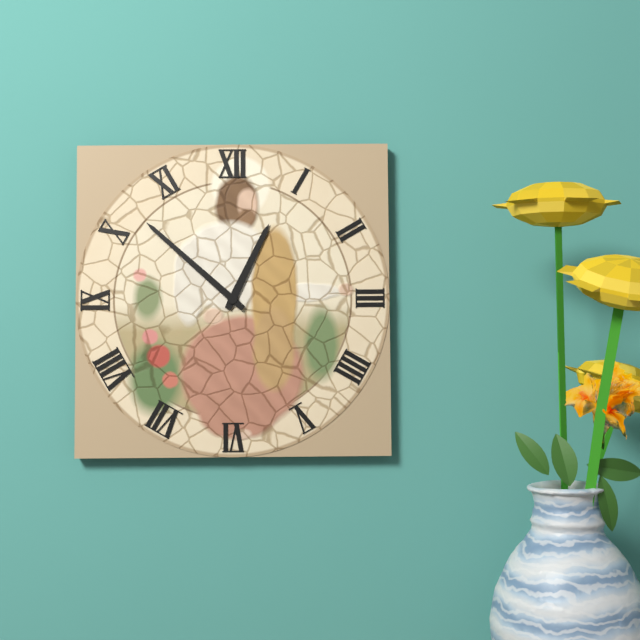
**12:52**
